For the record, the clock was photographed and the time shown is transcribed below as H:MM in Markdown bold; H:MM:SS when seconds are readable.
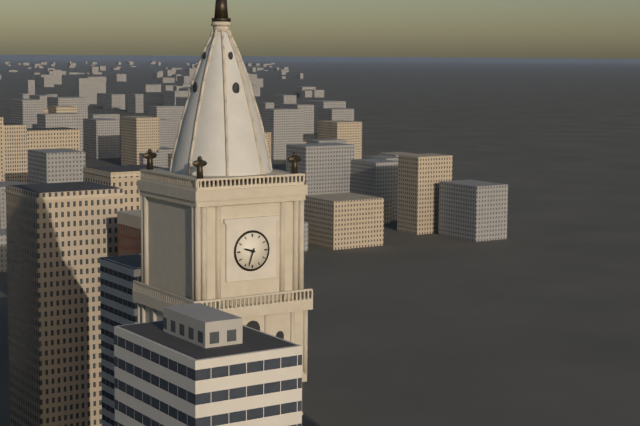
**9:33**
